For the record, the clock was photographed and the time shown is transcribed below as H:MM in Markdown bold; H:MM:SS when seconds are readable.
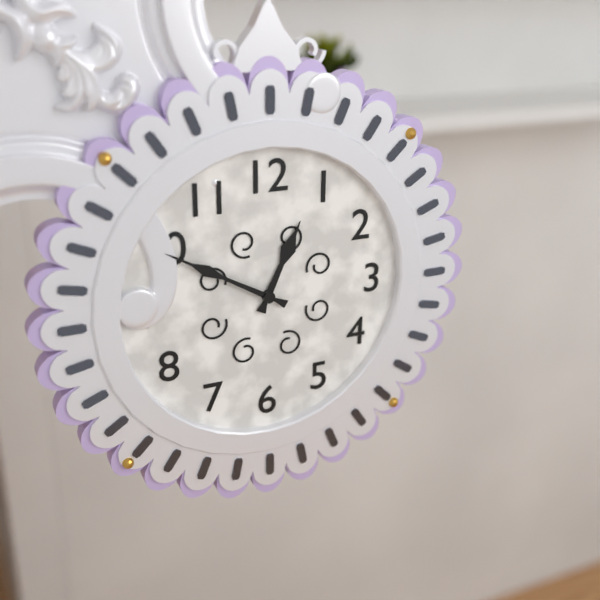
**12:50**
